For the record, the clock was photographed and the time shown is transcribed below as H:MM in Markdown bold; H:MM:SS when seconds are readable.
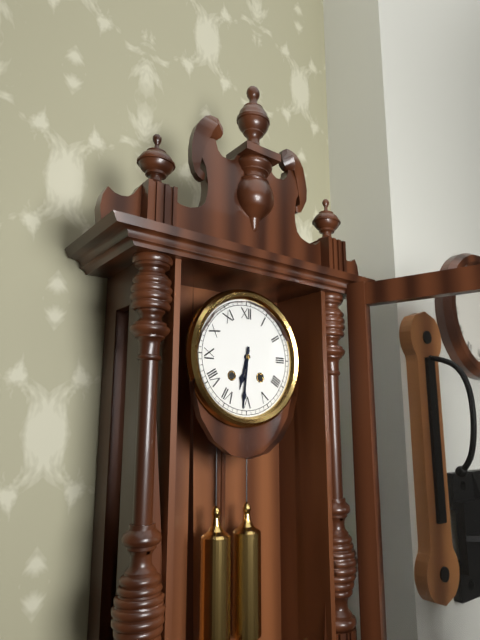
**6:31**
